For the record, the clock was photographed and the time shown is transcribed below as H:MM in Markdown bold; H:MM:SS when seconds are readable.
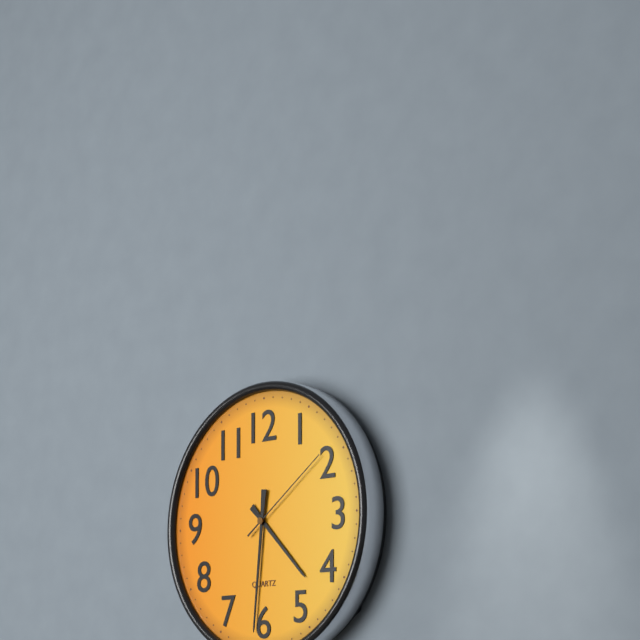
**4:31:09**
